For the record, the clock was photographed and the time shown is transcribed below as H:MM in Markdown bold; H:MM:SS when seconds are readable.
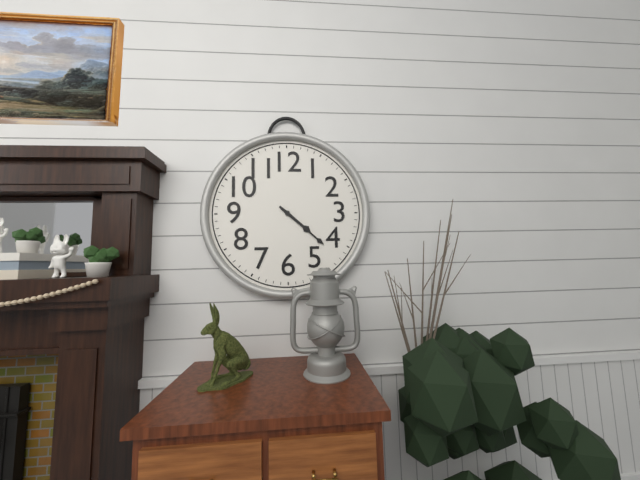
**4:22**
